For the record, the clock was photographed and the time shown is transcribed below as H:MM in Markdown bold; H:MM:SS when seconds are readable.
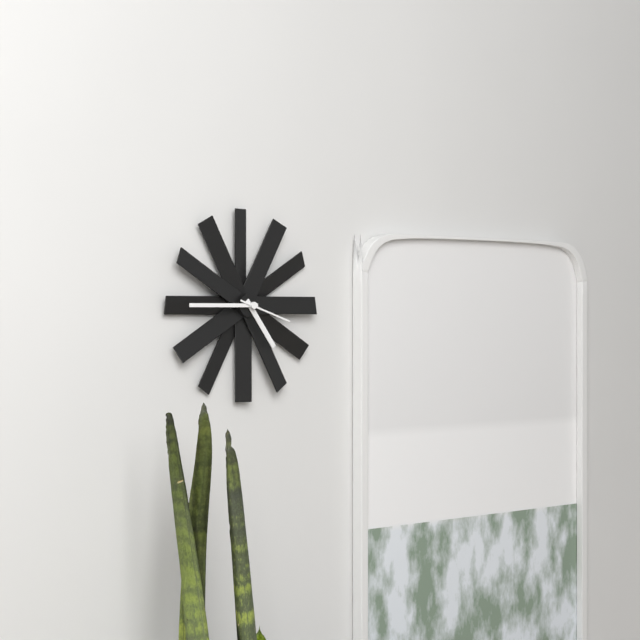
**4:45:18**
